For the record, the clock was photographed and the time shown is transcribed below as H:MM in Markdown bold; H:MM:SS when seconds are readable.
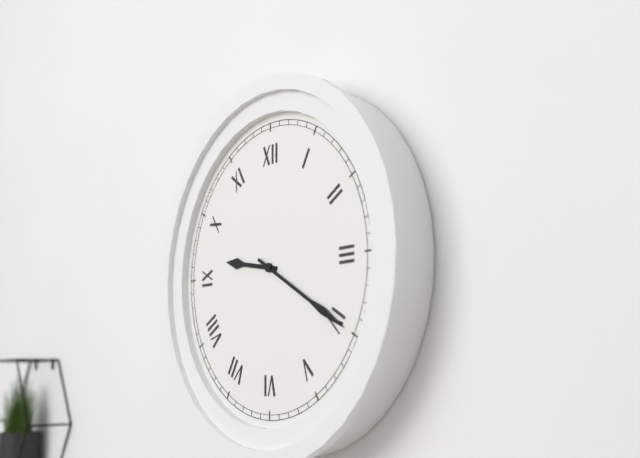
**9:20**
